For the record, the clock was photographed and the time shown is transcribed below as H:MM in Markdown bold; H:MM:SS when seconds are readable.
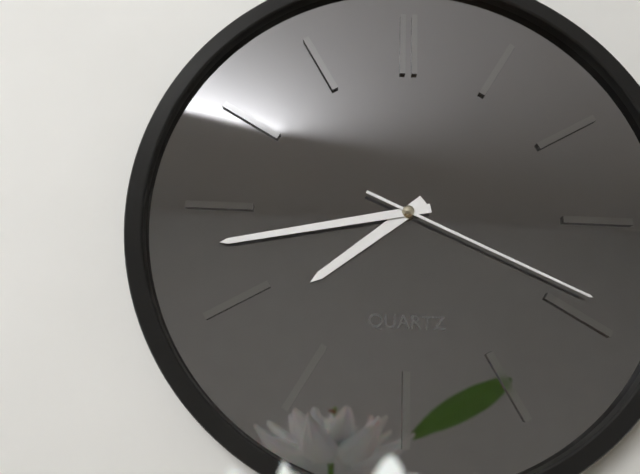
**7:43:19**
